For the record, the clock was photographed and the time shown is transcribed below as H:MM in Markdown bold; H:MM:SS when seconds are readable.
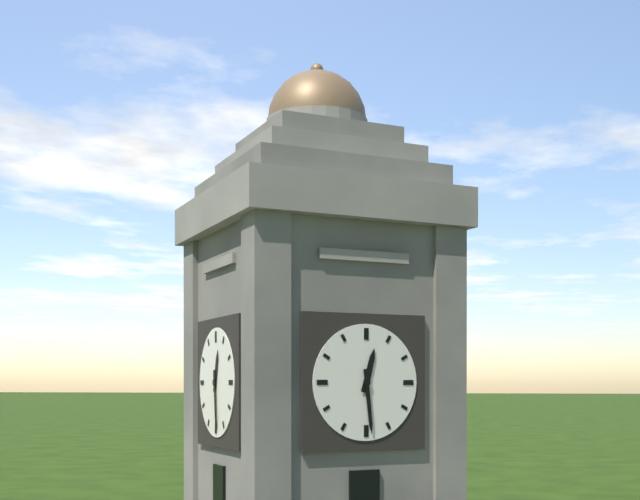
**12:29**
